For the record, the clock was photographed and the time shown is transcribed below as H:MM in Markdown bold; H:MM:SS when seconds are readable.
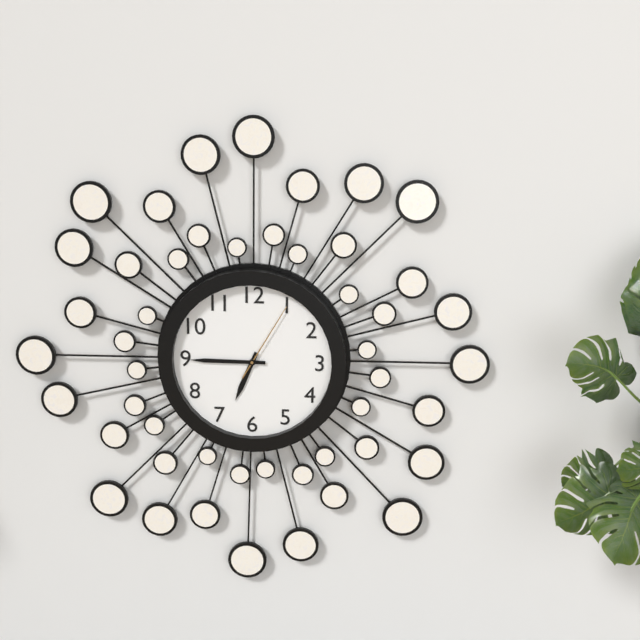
**6:45:05**
